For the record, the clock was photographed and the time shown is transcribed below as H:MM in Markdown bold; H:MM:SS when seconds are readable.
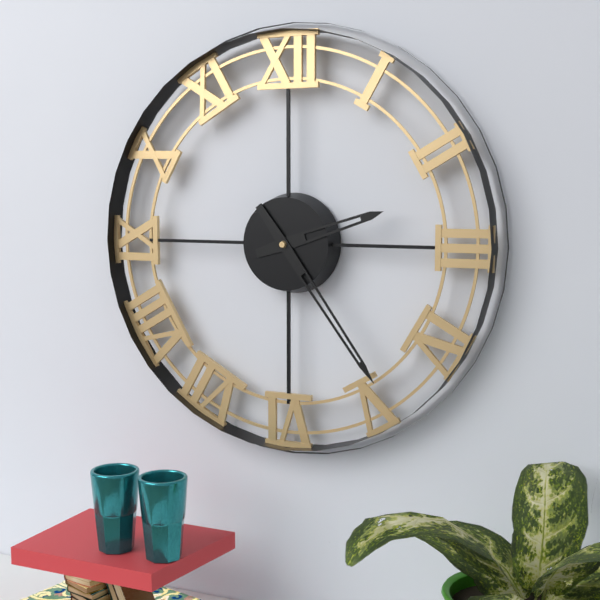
**2:24**
